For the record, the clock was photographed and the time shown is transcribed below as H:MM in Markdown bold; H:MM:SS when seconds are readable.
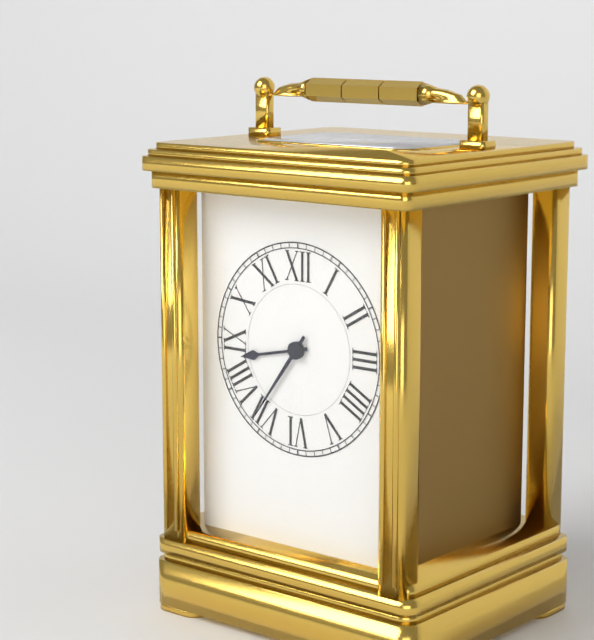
**8:36**
